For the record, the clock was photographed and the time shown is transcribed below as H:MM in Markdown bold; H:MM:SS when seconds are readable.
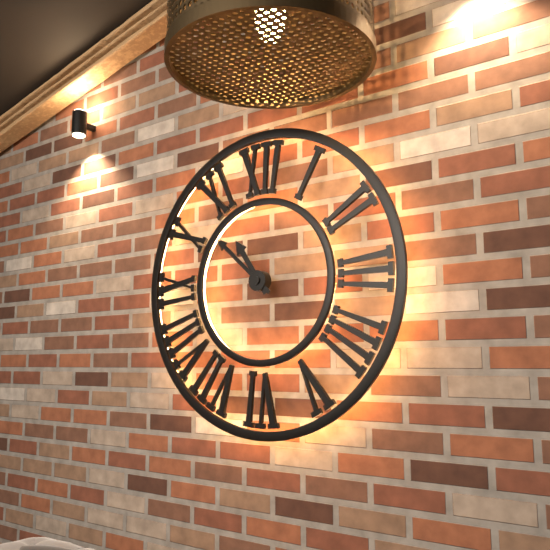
**10:52**
